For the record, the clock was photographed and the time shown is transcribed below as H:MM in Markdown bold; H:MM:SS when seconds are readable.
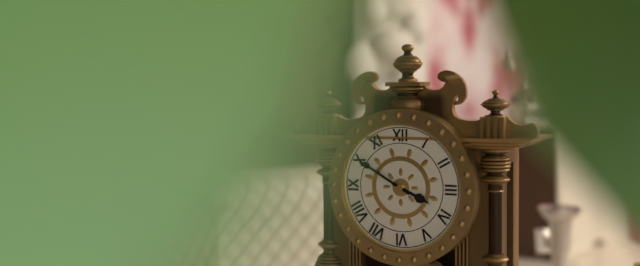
**3:50**
